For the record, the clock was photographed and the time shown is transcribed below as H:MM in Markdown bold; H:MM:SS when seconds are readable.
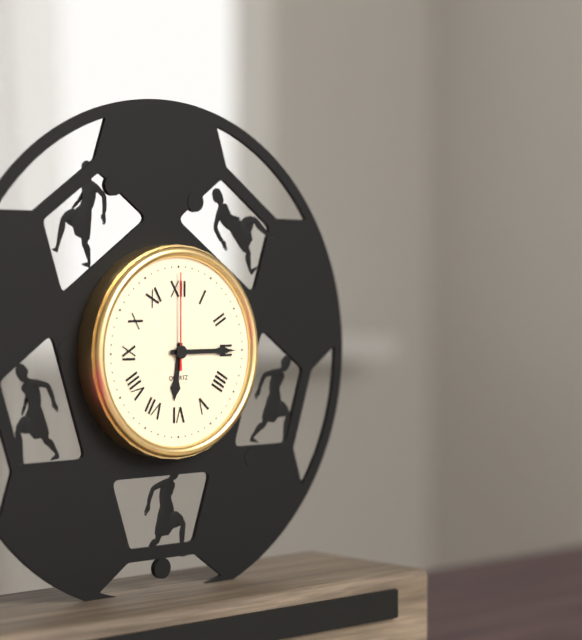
**6:15:00**
